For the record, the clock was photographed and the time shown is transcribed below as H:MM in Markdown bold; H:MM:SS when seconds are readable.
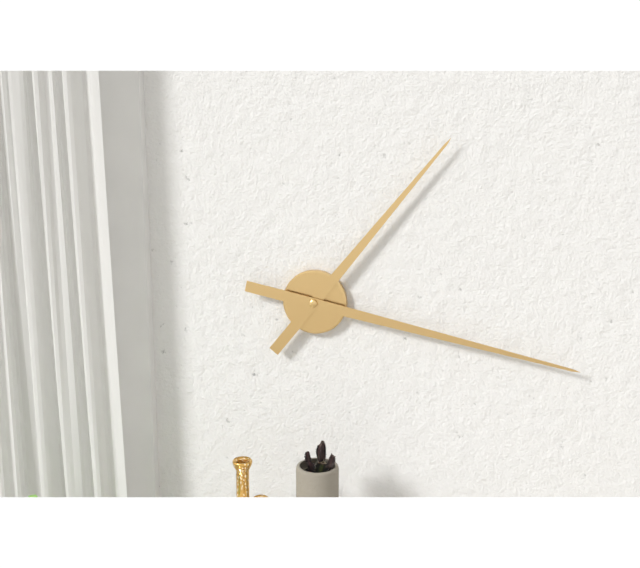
**1:17**
